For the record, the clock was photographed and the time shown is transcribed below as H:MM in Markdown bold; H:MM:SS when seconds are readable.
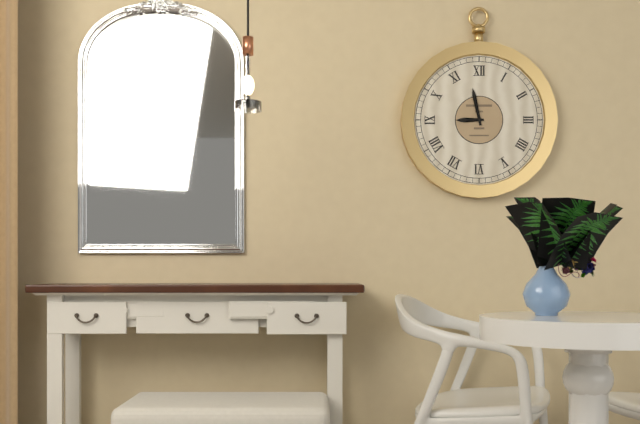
**8:58**
